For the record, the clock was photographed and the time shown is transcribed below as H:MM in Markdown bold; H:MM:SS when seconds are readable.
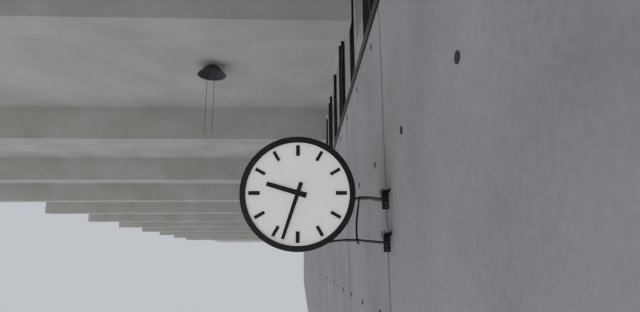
**9:33**
